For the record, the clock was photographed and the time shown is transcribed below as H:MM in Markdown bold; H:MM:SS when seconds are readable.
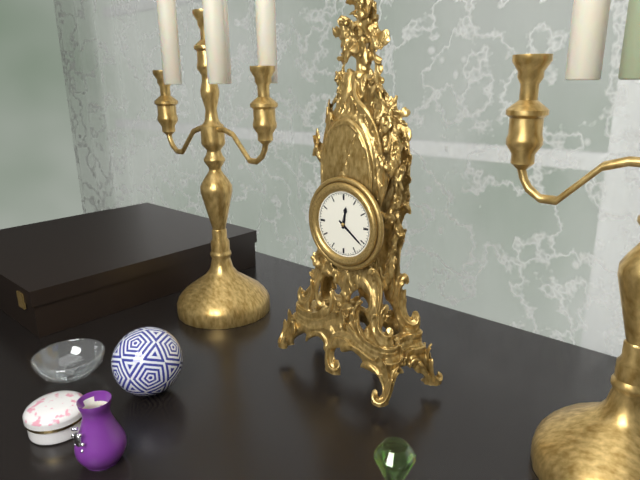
**12:21**
